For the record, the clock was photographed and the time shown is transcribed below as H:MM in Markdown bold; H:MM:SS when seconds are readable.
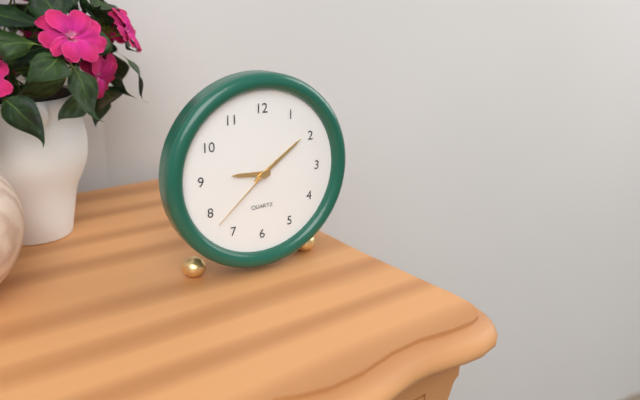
**9:09:38**
